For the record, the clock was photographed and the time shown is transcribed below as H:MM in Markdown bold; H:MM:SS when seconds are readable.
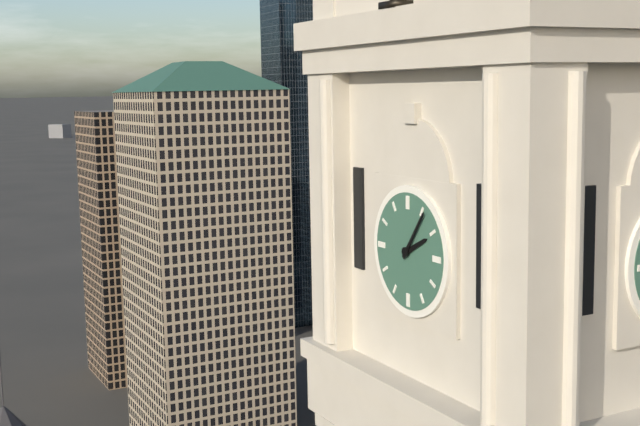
**2:06**
